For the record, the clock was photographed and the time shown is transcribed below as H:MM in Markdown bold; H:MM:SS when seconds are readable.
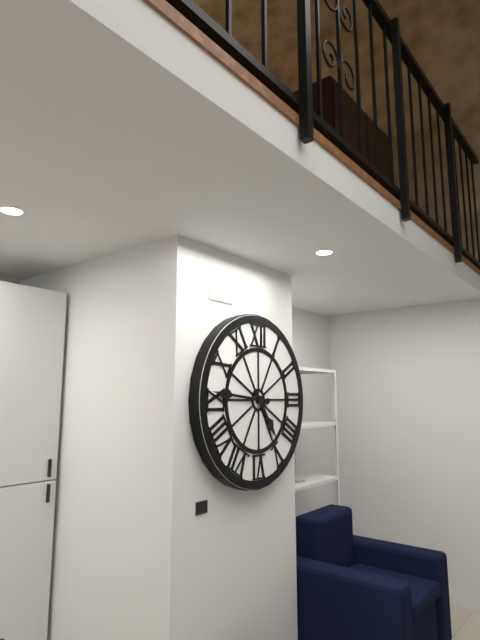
**4:46**
